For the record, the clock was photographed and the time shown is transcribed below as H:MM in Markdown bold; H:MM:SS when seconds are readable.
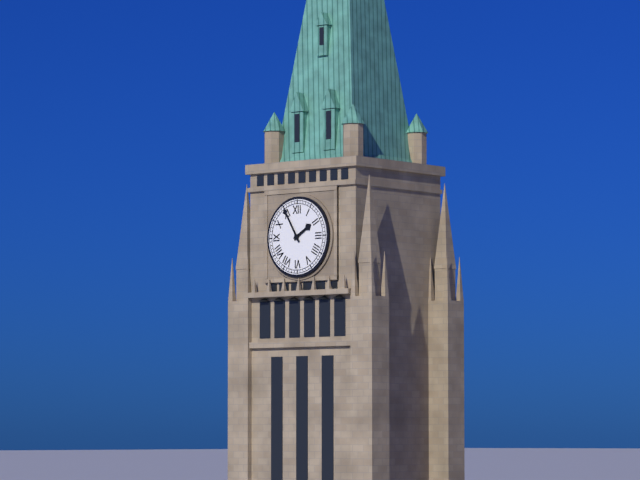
**1:55**
